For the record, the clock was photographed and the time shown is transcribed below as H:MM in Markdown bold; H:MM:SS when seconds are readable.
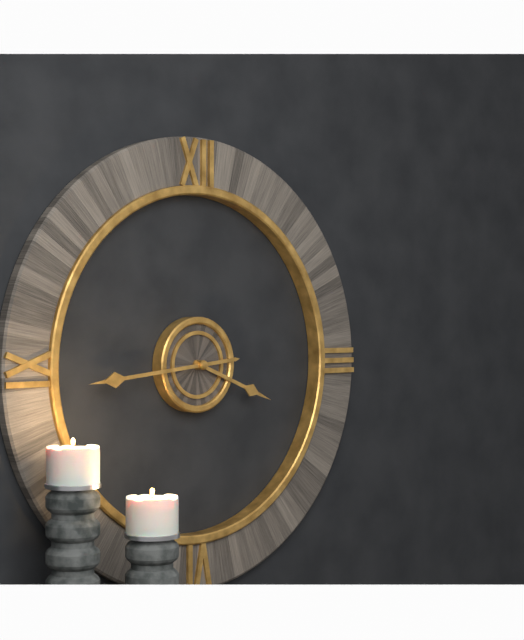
**3:44**
